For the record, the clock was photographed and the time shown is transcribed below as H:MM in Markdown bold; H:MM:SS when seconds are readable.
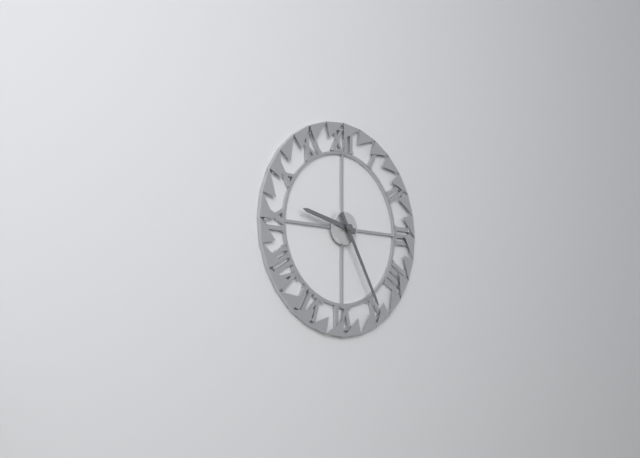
**9:25**
